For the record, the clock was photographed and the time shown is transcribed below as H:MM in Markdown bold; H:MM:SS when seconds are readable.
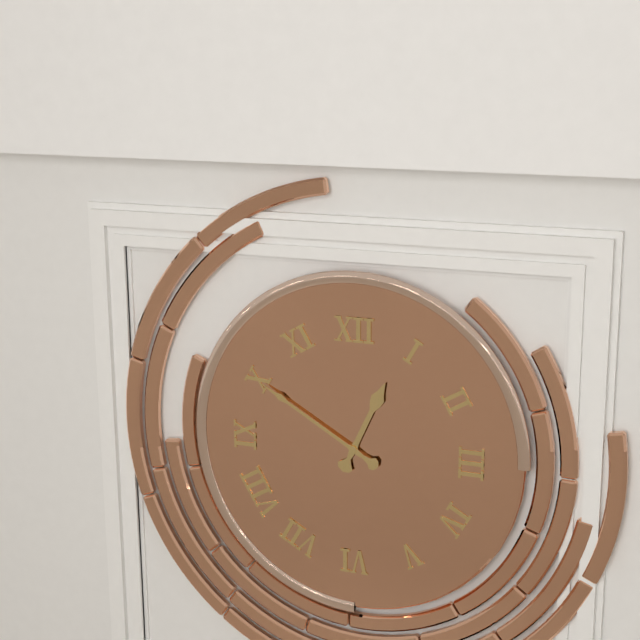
**12:50**
